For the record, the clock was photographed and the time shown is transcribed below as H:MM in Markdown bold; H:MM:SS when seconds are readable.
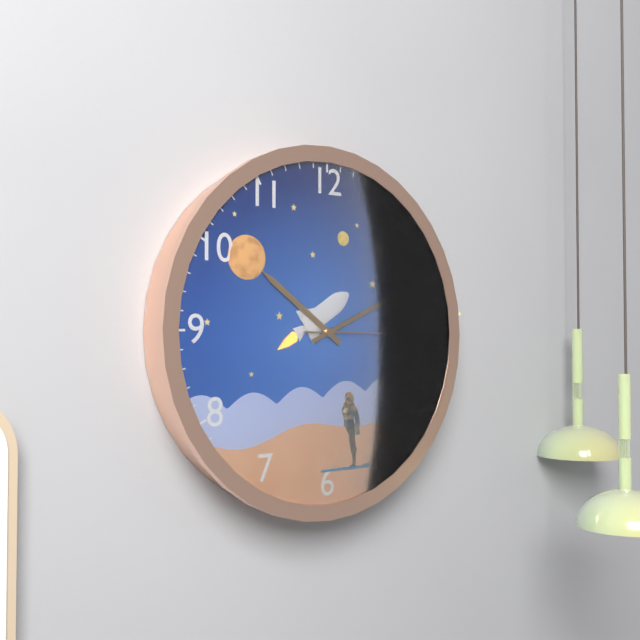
**10:11:15**
